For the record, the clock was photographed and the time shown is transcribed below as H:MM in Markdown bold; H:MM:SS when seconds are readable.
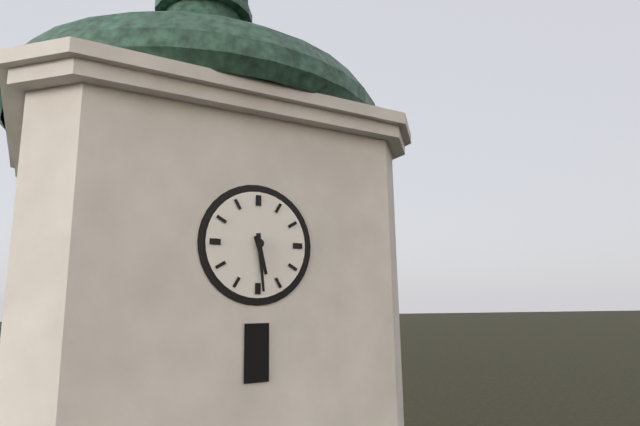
**5:29**
